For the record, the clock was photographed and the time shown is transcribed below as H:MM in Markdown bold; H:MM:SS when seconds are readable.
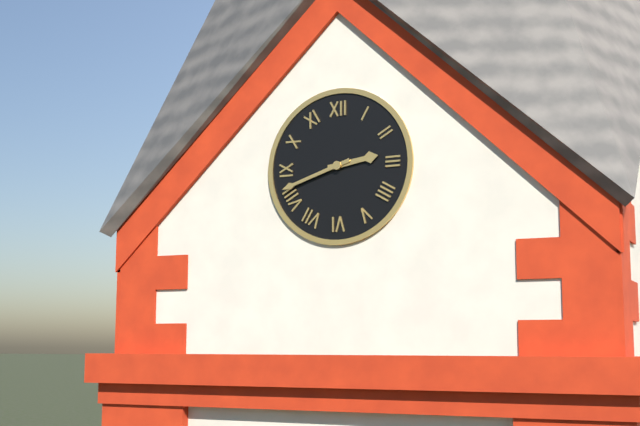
**2:42**
